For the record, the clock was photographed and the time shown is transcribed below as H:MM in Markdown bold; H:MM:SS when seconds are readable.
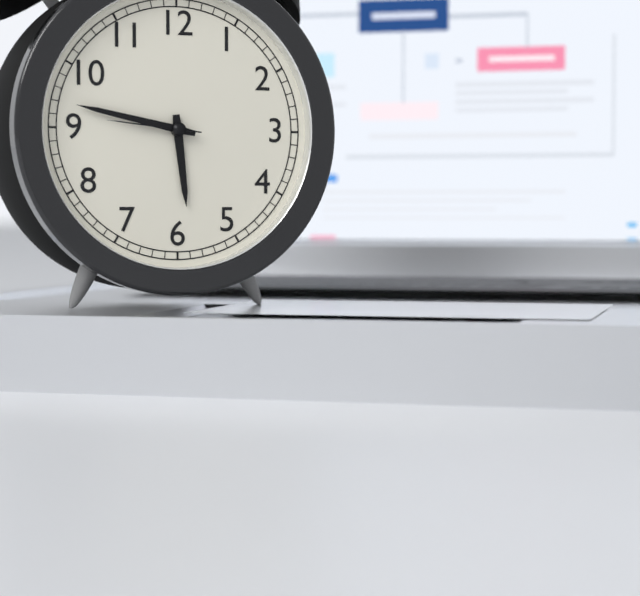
**5:47:46**
